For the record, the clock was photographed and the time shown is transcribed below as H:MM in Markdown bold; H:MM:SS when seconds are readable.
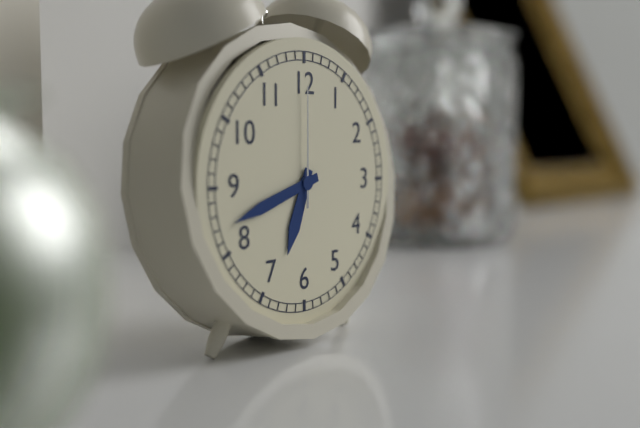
**6:42:00**
